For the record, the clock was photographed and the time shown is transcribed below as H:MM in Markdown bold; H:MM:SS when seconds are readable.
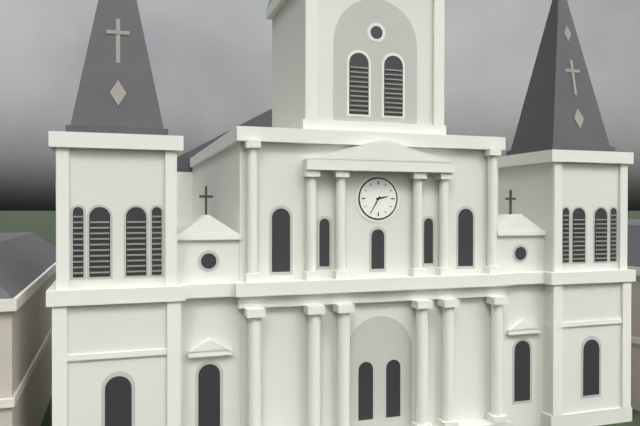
**2:35**
